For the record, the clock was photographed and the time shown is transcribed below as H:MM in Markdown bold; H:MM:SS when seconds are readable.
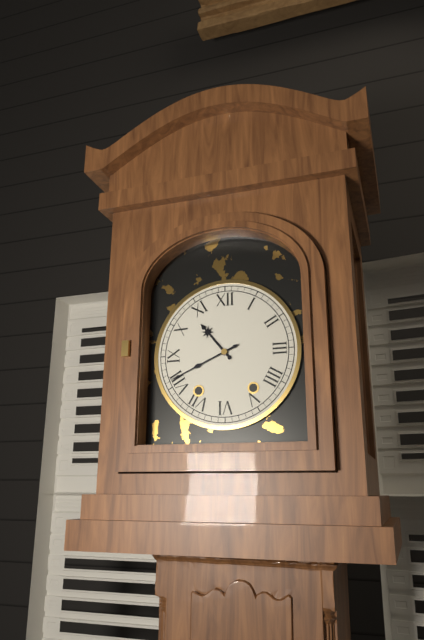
**10:41**
